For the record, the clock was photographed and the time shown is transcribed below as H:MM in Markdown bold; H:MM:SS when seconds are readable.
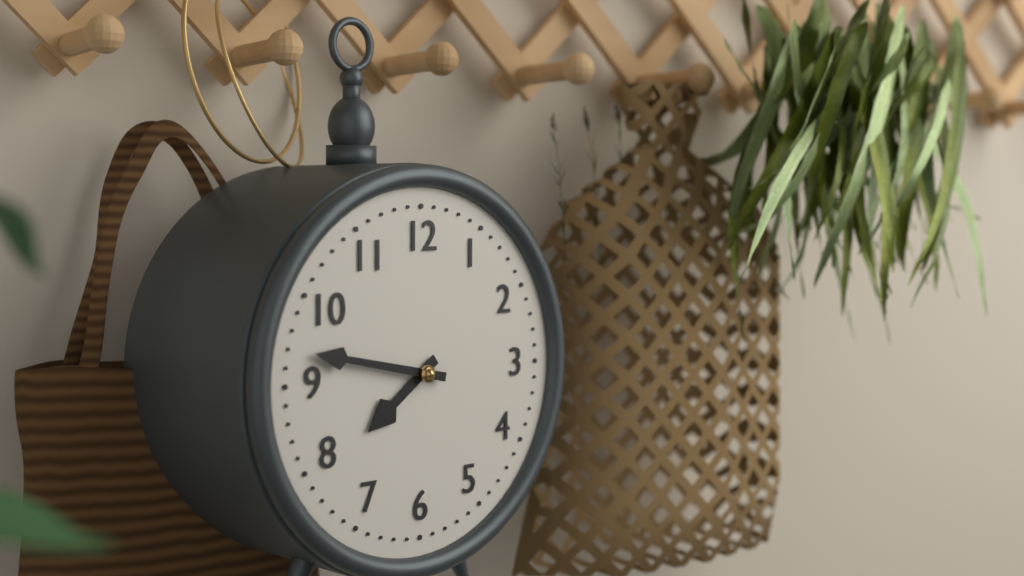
**7:47**
